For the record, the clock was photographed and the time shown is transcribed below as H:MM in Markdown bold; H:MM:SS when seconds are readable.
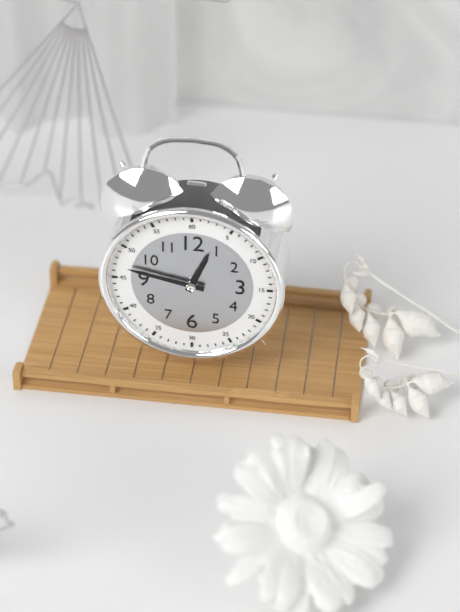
**12:47**
